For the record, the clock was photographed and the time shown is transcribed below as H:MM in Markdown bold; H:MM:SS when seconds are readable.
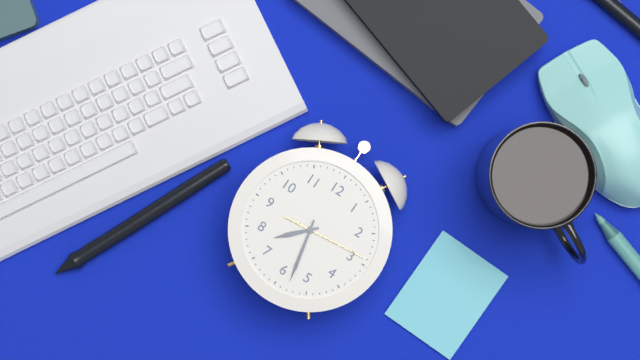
**7:28:14**
